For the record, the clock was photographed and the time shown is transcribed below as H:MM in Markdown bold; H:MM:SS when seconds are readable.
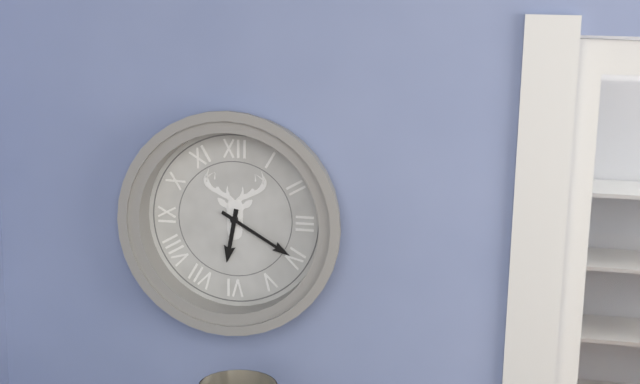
**6:20**
